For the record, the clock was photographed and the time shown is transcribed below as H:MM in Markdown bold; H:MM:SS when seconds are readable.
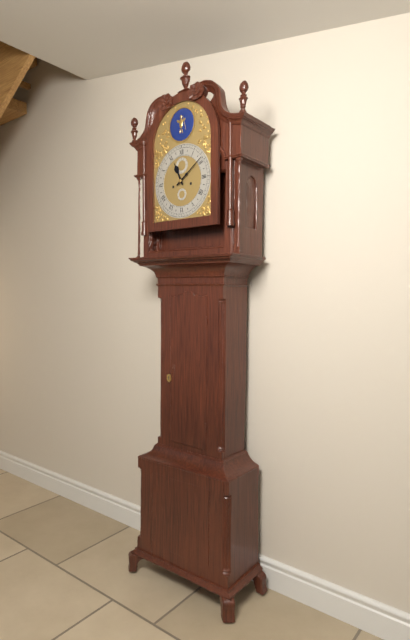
**11:09**
